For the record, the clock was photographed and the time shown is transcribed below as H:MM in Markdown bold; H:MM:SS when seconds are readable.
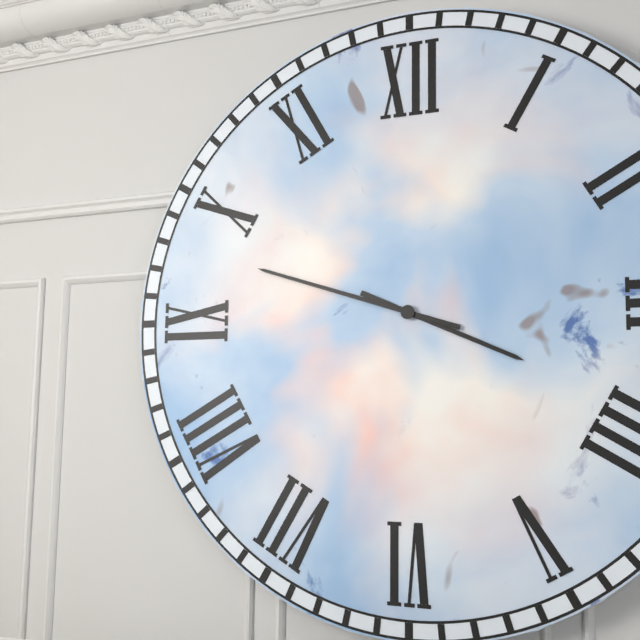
**3:48**
